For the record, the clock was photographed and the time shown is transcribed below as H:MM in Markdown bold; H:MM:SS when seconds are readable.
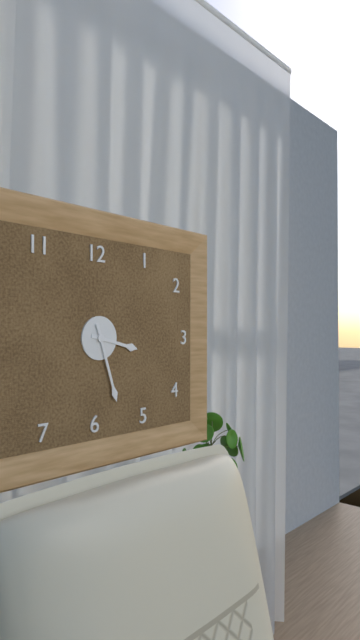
**3:27**
